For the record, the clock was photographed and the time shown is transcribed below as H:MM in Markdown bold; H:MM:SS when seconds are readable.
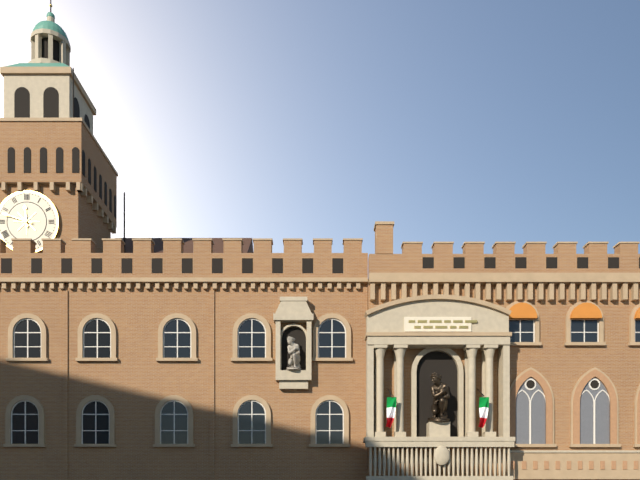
**11:48**
